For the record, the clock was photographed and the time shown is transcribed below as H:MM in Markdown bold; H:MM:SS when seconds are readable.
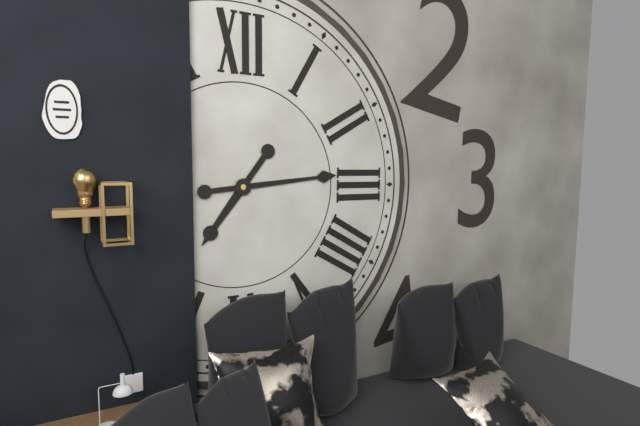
**7:14**
